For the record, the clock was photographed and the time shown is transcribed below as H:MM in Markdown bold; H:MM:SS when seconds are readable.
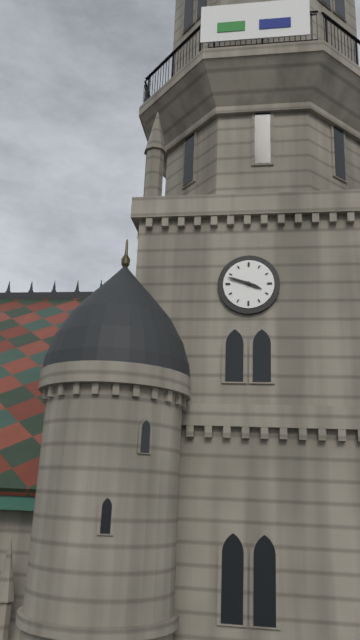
**3:48**
